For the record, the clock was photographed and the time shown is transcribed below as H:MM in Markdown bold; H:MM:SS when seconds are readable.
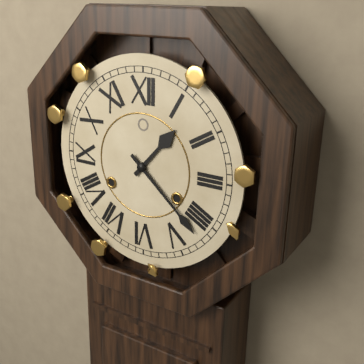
**1:22**
